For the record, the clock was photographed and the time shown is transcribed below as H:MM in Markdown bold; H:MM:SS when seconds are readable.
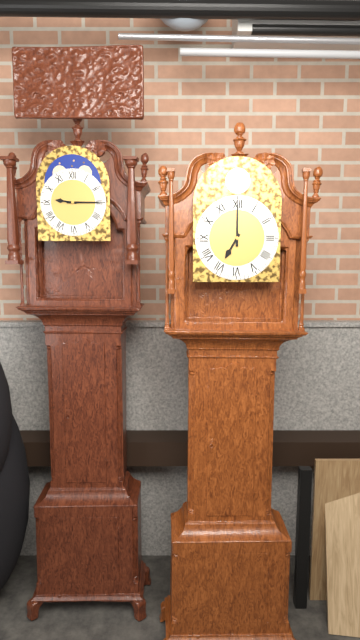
**7:00**
